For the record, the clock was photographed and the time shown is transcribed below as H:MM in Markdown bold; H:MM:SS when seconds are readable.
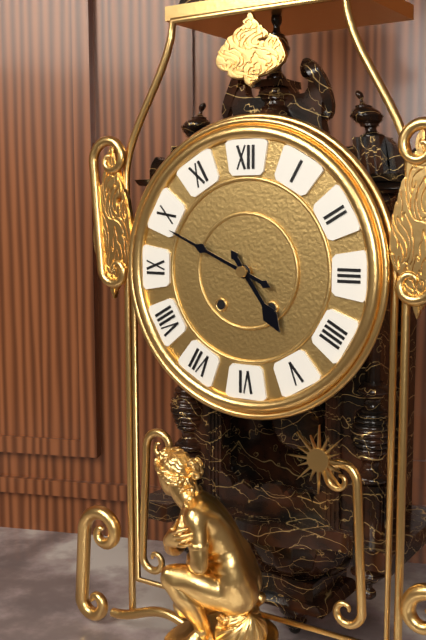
**4:49**
